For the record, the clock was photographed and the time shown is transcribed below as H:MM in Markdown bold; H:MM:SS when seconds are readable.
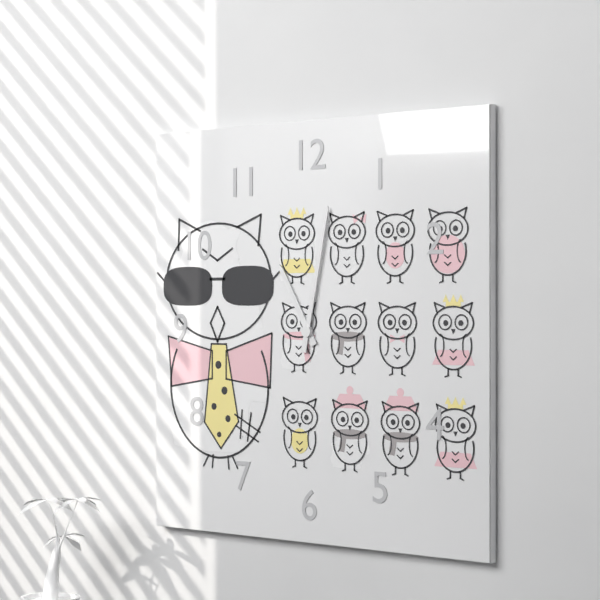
**11:02**
